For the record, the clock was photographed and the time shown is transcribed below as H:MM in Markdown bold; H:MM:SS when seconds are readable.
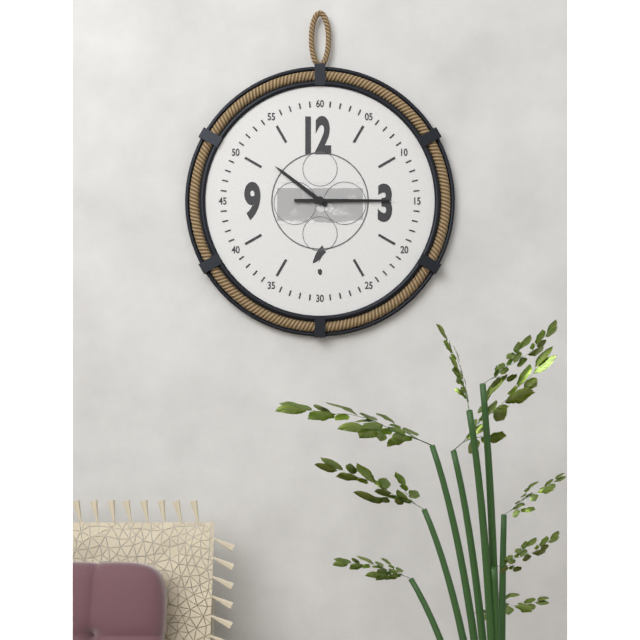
**10:15**
